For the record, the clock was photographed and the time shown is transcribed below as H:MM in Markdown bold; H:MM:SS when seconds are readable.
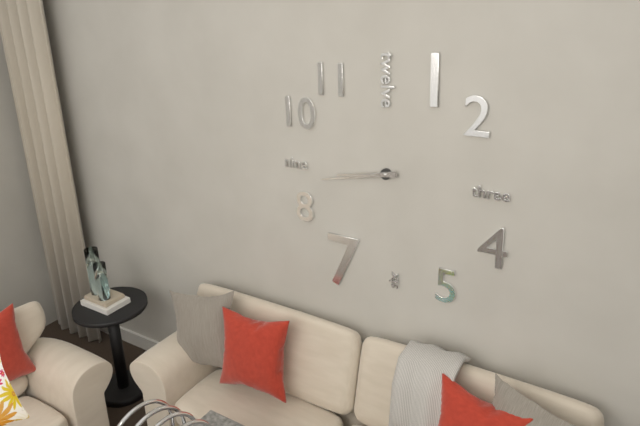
**8:43**
